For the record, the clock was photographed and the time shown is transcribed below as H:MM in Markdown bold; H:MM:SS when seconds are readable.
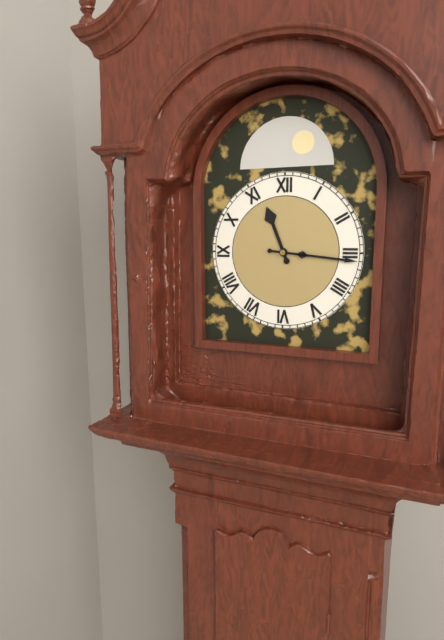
**11:16**
